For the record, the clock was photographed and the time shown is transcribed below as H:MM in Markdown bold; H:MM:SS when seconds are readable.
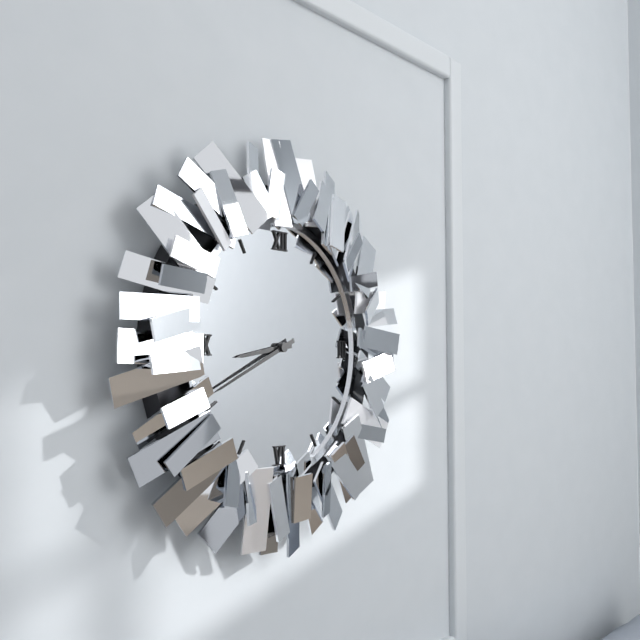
**8:41**
